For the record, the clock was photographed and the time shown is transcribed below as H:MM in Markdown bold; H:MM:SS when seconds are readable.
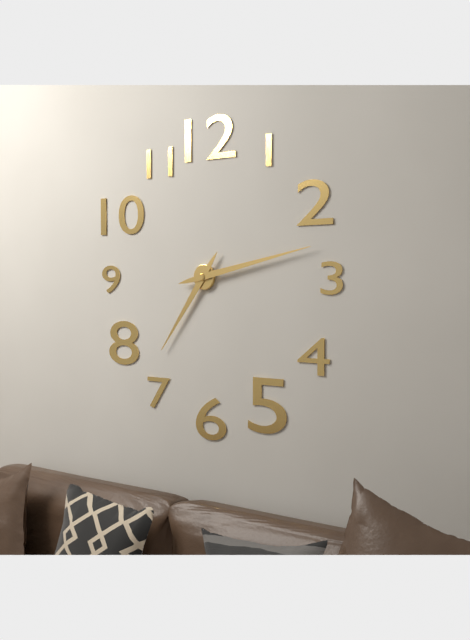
**7:13**
